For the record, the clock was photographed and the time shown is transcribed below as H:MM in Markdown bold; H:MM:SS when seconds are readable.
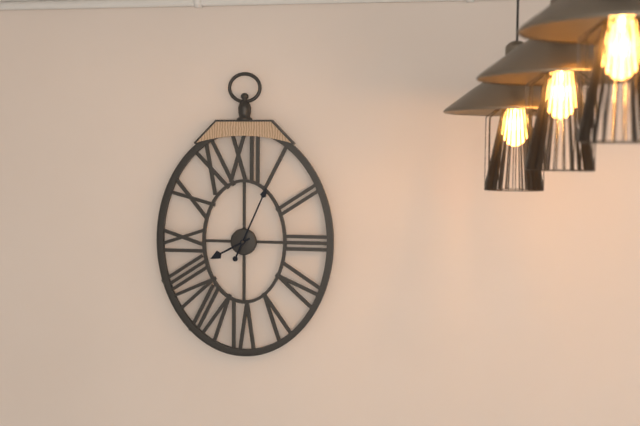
**8:04**
